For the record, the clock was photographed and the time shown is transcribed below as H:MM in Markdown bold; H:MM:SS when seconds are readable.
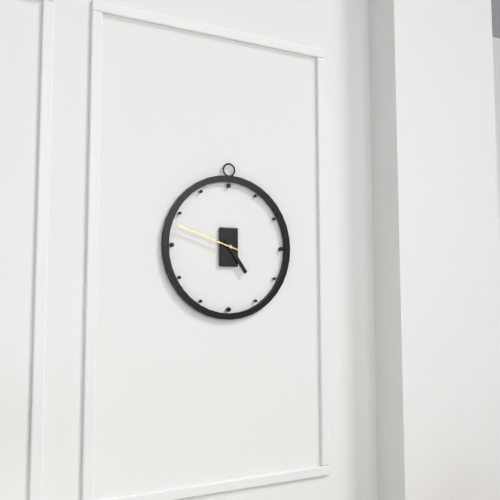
**4:48**
